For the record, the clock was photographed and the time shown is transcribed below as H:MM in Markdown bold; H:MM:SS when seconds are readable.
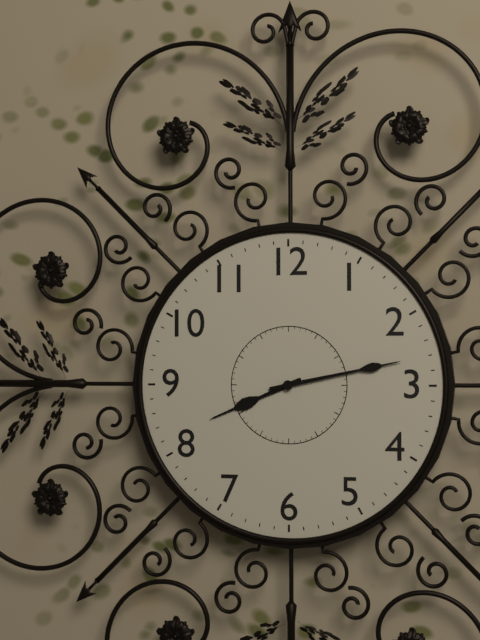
**8:13**
